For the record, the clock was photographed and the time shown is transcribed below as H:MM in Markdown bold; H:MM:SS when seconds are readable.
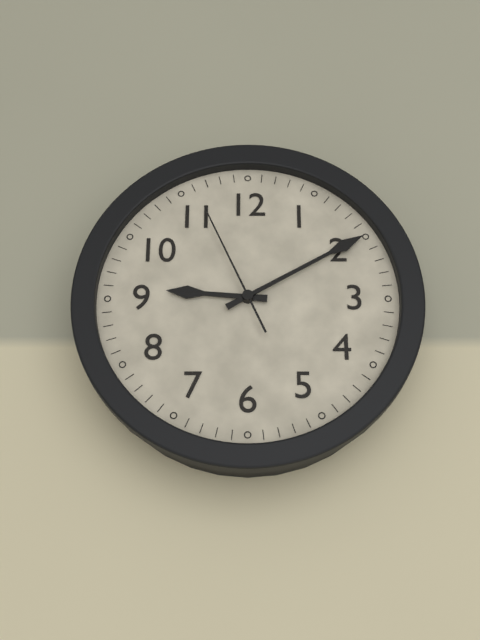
**9:10:56**
